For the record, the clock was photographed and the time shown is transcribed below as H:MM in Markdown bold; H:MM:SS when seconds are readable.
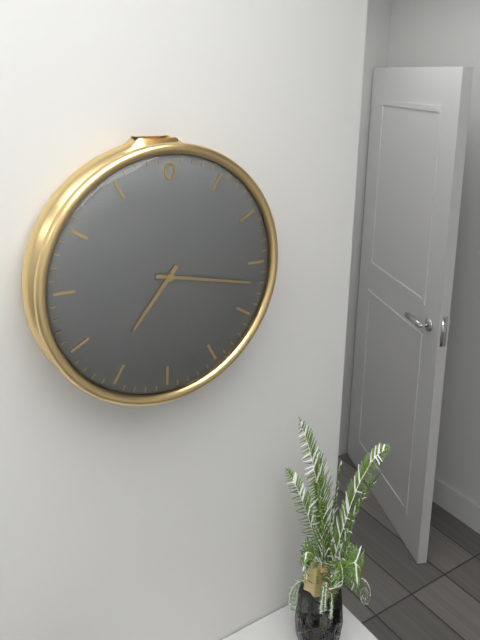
**7:17**
